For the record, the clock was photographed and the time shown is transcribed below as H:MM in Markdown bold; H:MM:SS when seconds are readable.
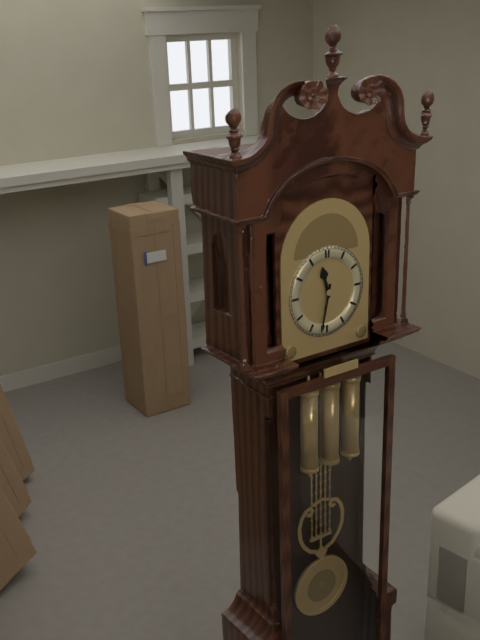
**11:32**
